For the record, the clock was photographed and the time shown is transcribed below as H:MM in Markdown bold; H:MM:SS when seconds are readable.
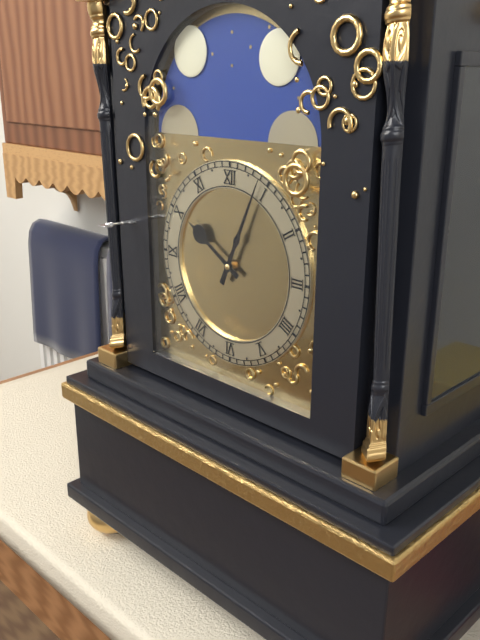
**10:04**
